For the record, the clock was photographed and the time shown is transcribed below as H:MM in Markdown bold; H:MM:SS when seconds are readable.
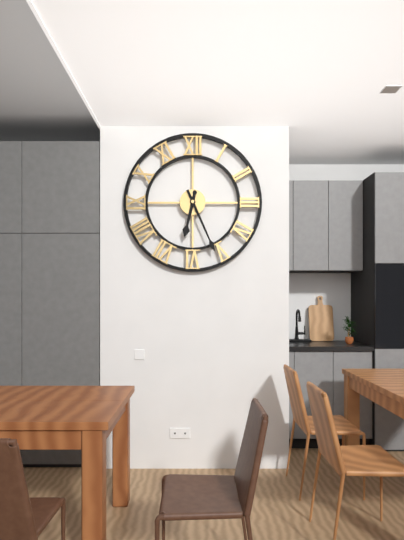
**6:26**
